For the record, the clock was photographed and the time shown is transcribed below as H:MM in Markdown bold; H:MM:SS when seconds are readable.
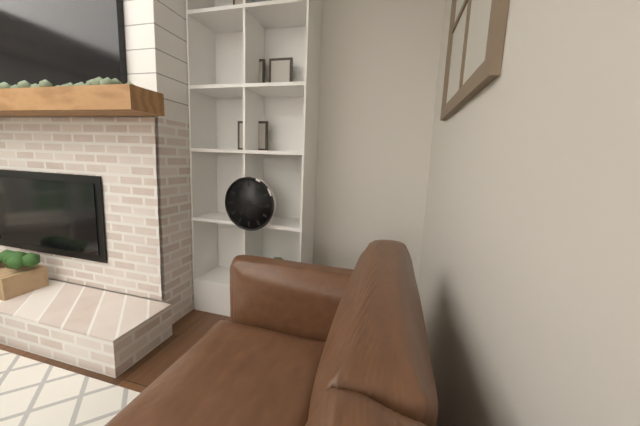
**7:16**
